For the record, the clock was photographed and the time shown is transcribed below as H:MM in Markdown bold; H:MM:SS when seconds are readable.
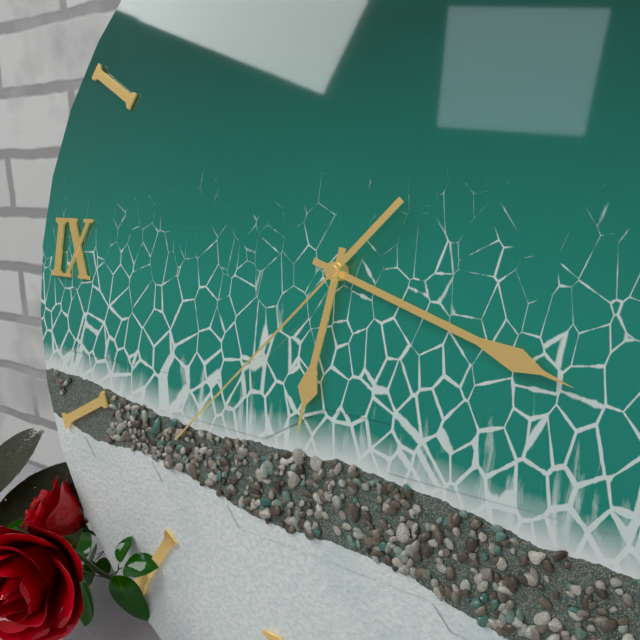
**6:18:37**
